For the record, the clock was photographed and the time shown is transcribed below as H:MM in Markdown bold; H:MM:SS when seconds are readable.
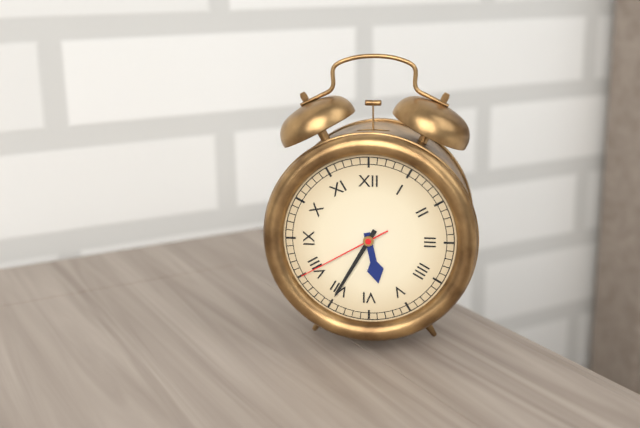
**5:35:40**
